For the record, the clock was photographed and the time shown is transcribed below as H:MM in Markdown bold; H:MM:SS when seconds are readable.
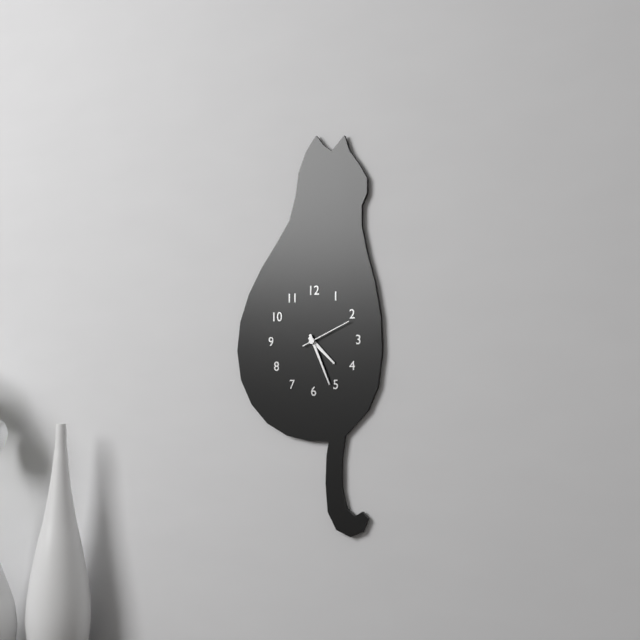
**4:26:11**
